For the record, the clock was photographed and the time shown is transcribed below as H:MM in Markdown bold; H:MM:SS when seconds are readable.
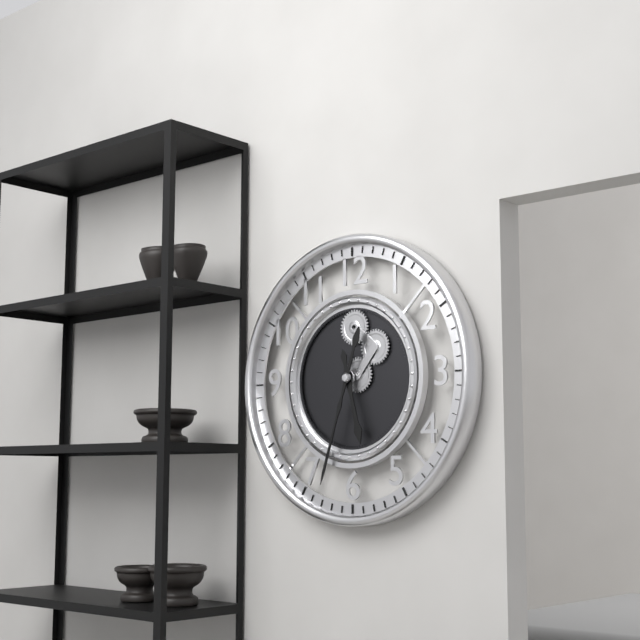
**5:33**
